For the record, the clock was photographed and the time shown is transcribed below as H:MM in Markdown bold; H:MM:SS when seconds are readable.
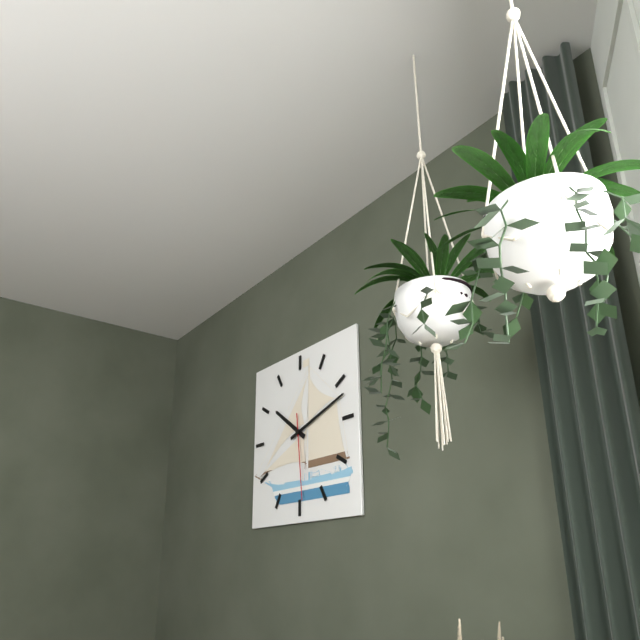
**10:12:29**
